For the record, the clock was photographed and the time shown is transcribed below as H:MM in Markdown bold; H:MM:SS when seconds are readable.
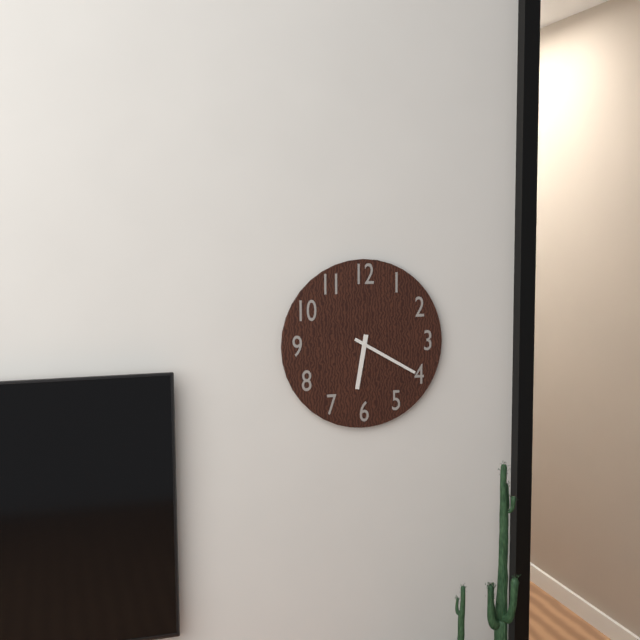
**6:20**
